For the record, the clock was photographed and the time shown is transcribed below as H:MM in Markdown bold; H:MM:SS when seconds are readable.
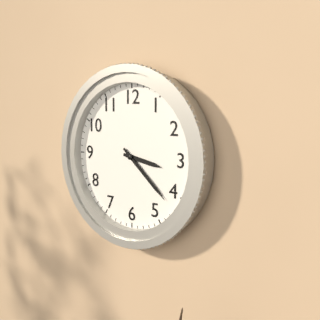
**3:22**
